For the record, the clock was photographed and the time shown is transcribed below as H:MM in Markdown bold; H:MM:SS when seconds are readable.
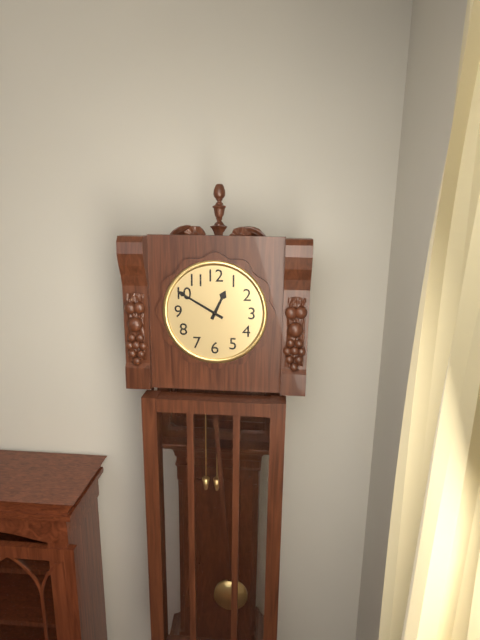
**12:50**
